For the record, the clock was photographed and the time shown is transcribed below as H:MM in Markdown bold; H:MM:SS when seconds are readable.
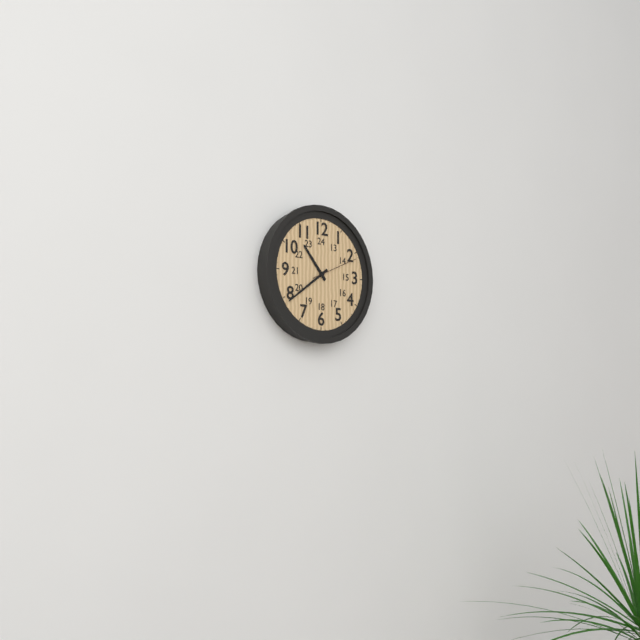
**10:39**
